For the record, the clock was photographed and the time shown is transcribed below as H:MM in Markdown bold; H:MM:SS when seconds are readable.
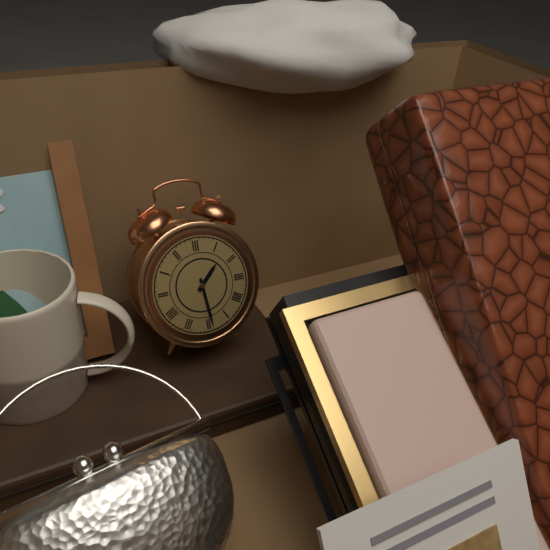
**1:29**
